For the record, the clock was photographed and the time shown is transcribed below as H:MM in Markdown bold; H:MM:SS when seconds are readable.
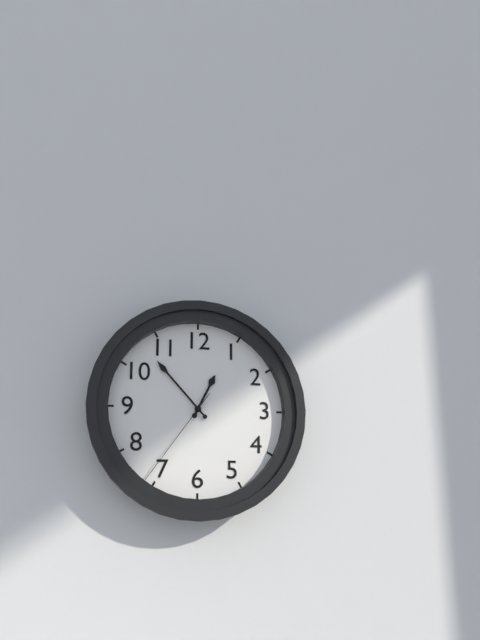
**12:53:36**
